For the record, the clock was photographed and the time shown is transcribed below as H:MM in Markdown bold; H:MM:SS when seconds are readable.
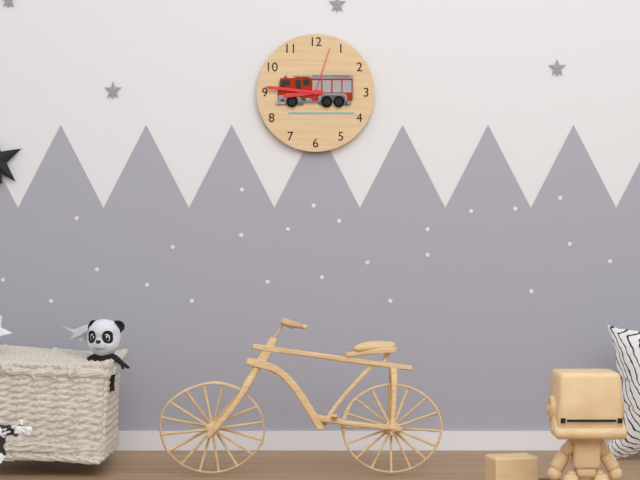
**8:46:03**
